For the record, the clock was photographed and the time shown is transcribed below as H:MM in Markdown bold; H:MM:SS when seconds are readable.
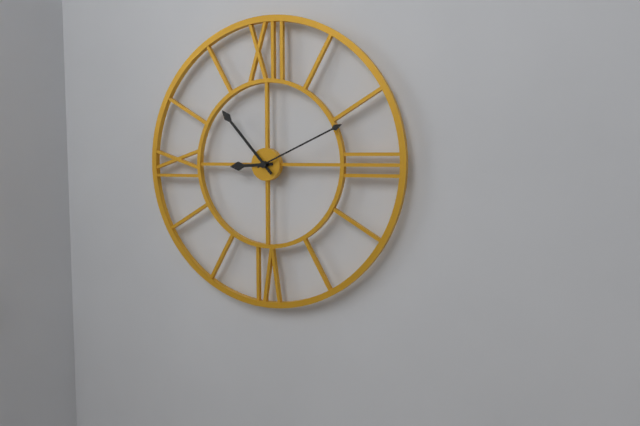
**8:53:11**
